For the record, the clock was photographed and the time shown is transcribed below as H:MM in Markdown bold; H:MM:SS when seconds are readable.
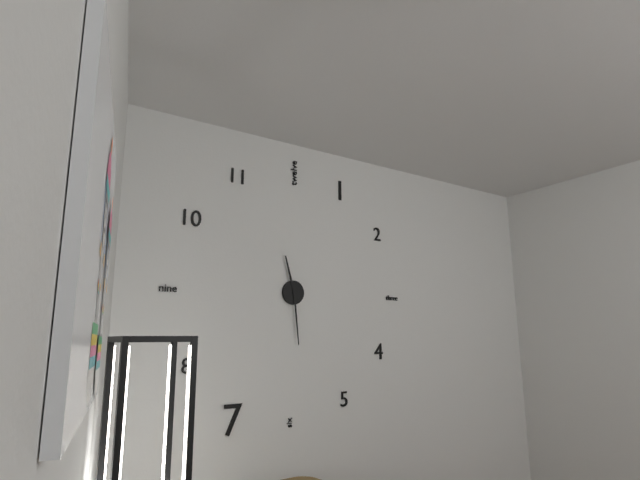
**11:29**
